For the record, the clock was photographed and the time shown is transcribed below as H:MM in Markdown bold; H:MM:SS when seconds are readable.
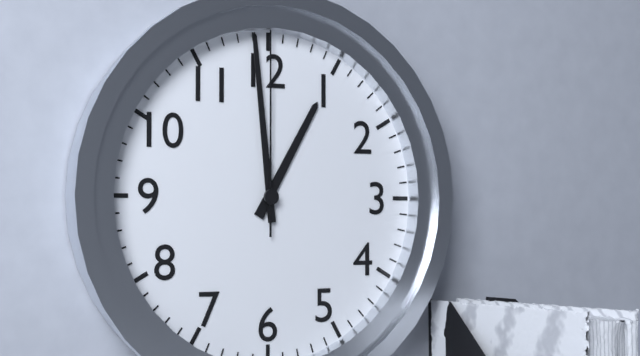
**12:59:00**
